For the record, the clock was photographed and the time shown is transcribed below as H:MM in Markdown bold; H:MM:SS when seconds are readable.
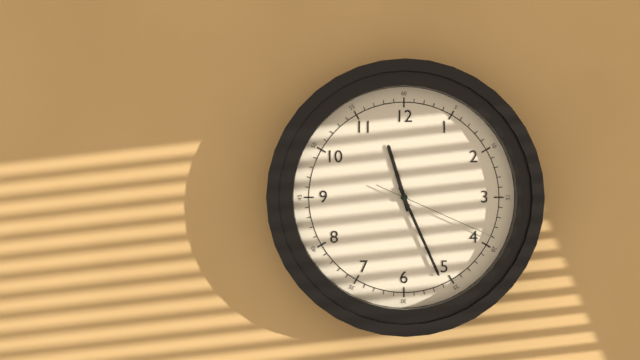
**11:26:19**
